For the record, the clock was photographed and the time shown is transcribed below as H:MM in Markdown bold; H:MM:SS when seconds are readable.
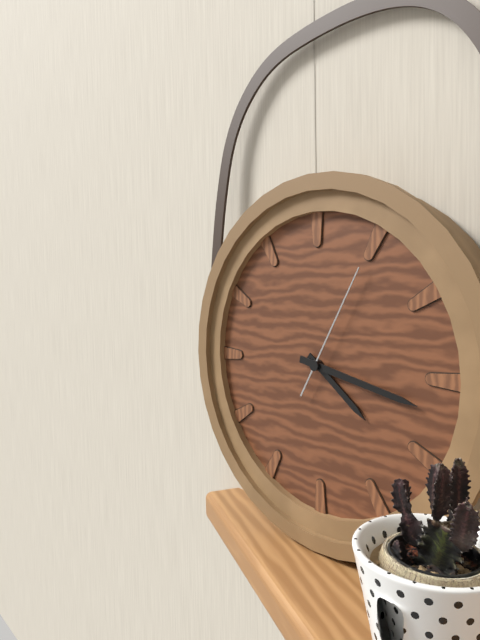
**4:17:05**
